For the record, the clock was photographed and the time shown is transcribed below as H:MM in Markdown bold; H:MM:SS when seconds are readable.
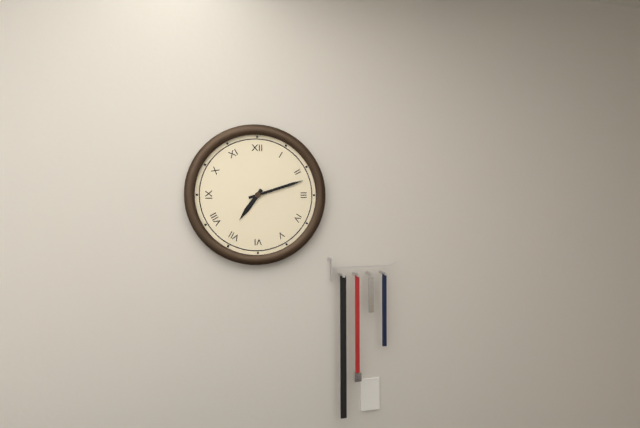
**7:12**
